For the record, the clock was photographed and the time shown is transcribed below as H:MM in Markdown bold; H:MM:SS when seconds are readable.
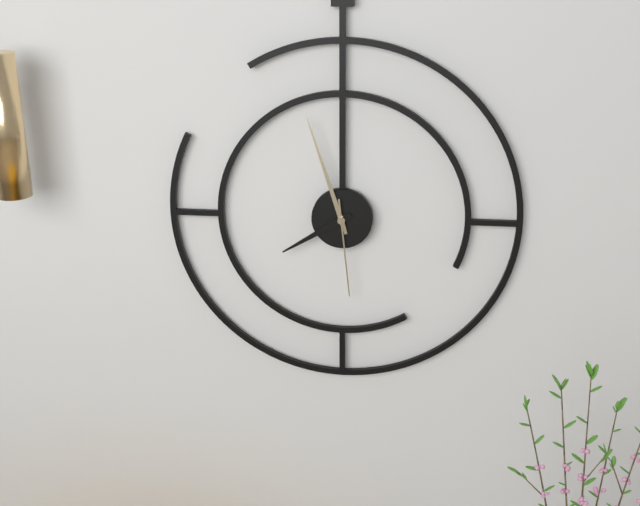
**7:57:29**
